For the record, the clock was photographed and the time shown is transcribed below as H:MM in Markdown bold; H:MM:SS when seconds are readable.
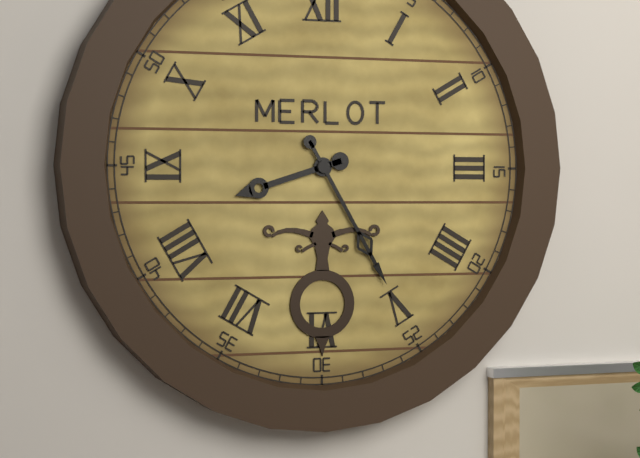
**8:25**
